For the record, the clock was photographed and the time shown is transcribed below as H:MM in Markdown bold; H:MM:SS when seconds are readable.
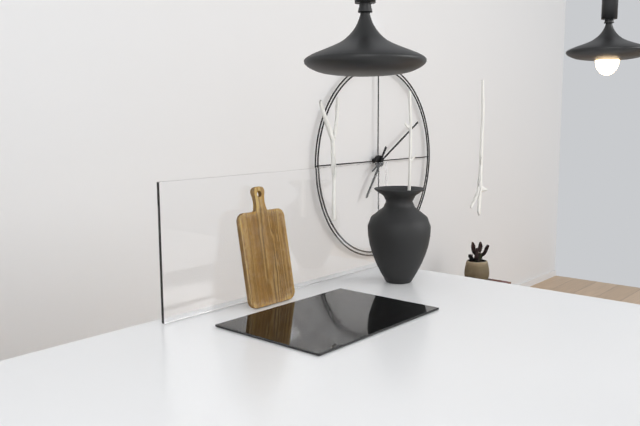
**7:10**
